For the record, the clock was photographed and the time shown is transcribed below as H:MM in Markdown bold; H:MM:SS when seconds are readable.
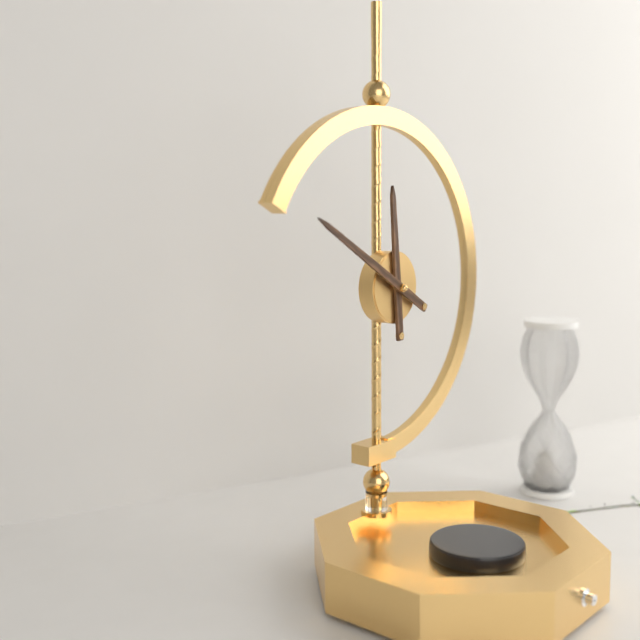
**11:50**
